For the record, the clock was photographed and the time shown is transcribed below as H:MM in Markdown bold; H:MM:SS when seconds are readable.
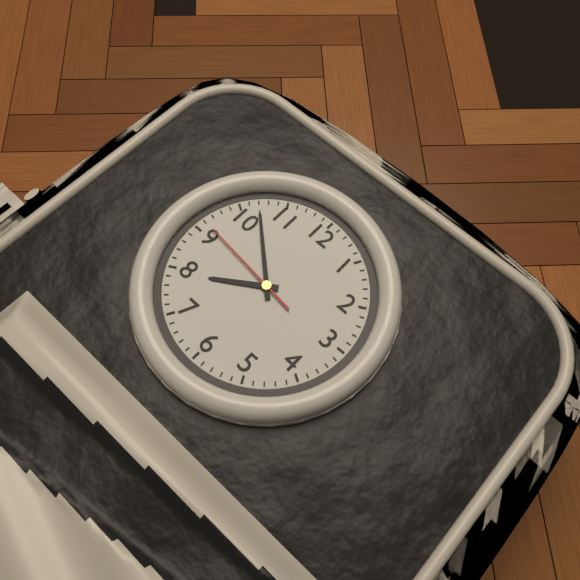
**7:52:46**
